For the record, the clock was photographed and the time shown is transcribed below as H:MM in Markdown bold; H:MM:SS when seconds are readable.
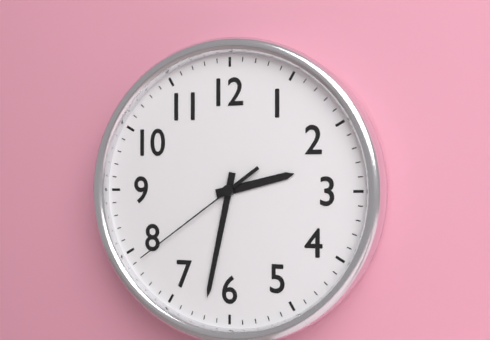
**2:32:39**
